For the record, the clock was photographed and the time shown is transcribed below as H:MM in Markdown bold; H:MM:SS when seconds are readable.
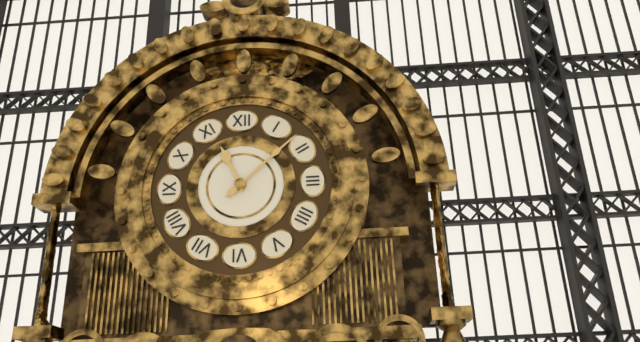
**11:08**
